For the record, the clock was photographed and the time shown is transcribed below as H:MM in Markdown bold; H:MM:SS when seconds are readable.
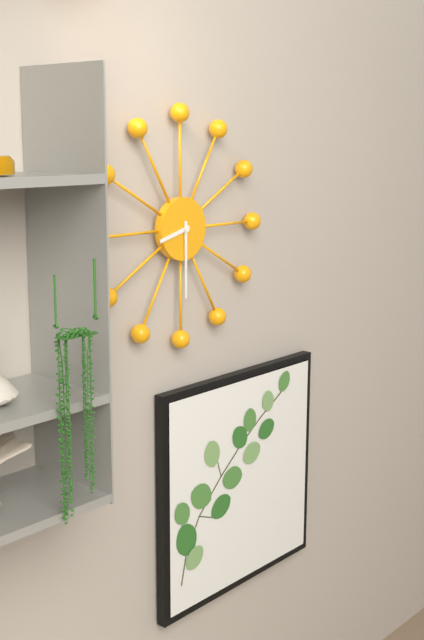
**8:30**
